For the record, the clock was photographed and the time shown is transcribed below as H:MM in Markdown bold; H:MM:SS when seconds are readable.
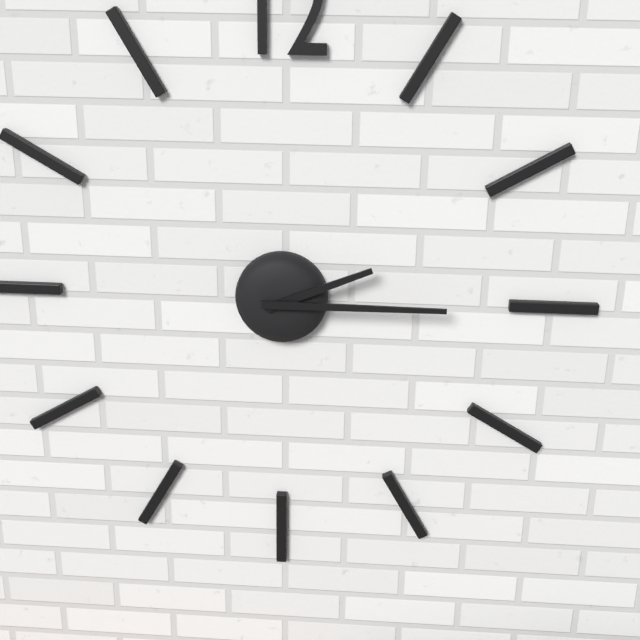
**2:15**
